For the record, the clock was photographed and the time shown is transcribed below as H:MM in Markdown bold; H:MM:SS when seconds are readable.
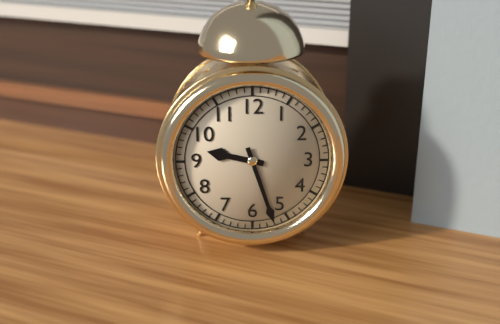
**9:27**
